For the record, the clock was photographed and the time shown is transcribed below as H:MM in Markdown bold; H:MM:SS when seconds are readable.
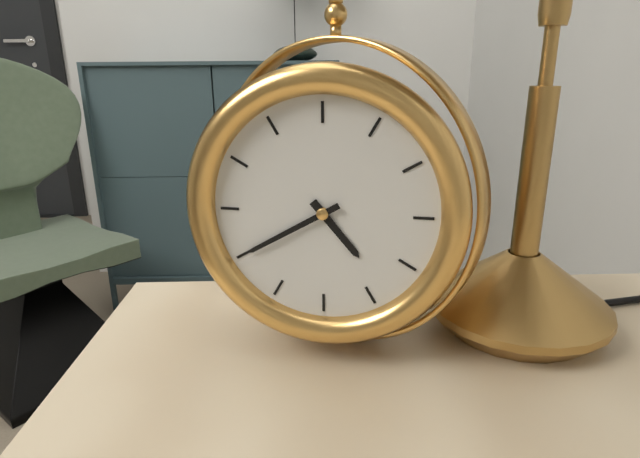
**4:40**
